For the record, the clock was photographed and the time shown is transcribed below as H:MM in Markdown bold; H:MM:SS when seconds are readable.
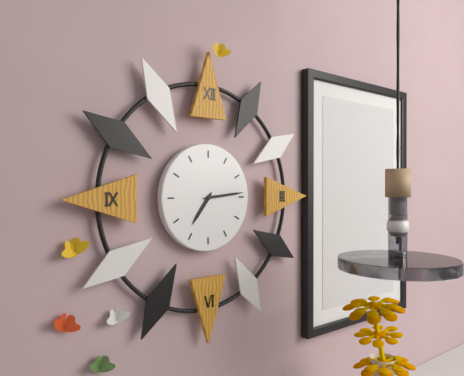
**7:14**
